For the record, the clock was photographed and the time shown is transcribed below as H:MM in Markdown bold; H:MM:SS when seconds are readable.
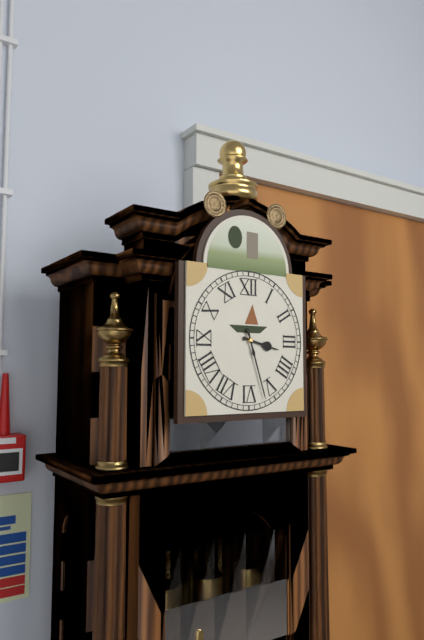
**3:27**
